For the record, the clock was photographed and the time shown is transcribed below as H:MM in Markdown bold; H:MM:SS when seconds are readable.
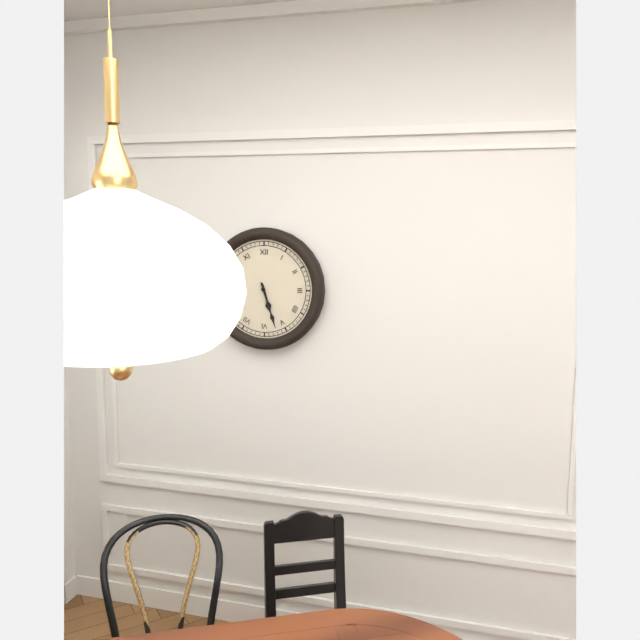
**5:27**
